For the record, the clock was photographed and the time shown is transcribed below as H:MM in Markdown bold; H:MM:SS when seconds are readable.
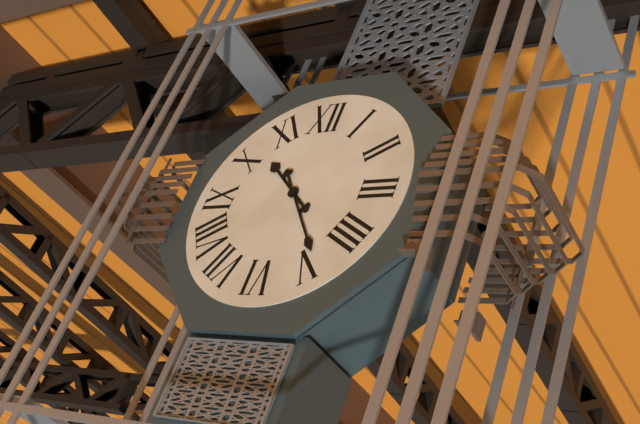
**10:24**
